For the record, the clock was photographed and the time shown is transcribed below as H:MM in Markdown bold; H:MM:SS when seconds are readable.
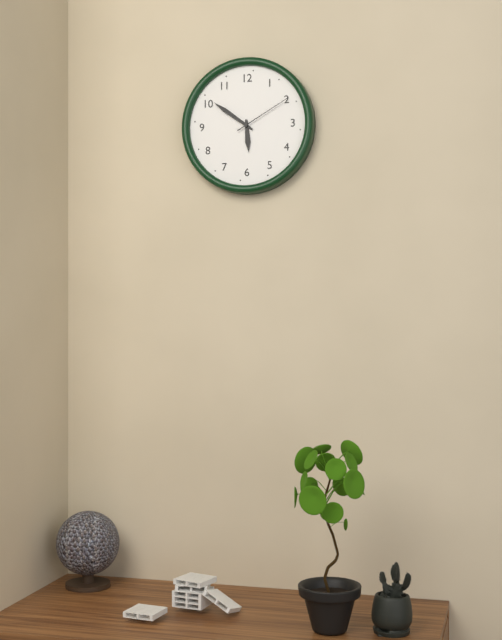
**5:51:10**
